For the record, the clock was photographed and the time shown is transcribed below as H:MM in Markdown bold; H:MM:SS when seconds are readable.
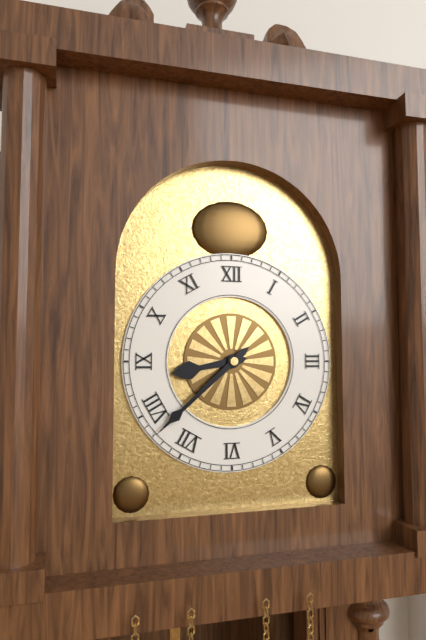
**8:38**
